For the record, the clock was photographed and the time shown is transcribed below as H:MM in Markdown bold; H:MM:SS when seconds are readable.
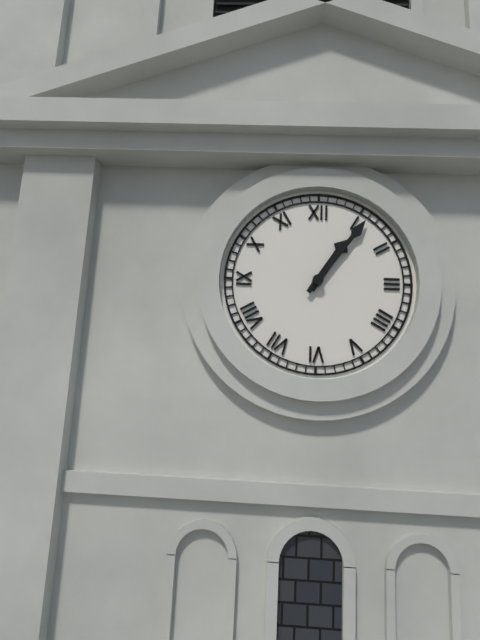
**1:06**
